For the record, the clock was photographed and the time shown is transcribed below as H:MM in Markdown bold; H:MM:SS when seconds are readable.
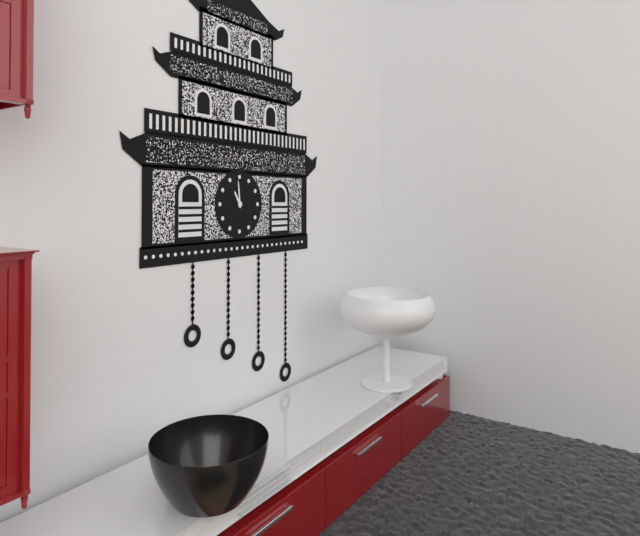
**10:59**
